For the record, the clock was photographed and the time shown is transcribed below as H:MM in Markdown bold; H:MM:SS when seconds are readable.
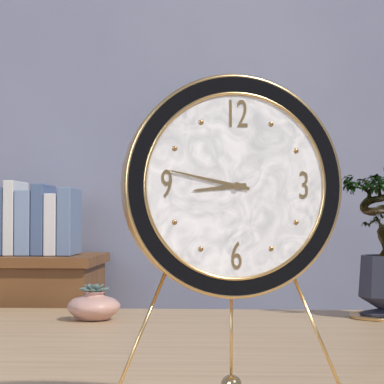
**8:47**
